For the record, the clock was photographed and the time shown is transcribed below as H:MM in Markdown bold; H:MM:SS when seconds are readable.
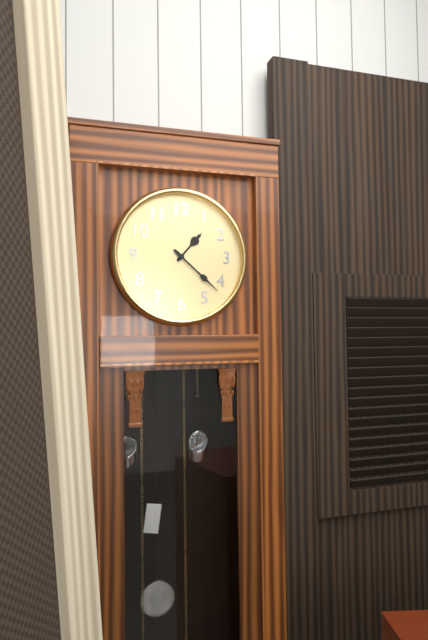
**1:22**
